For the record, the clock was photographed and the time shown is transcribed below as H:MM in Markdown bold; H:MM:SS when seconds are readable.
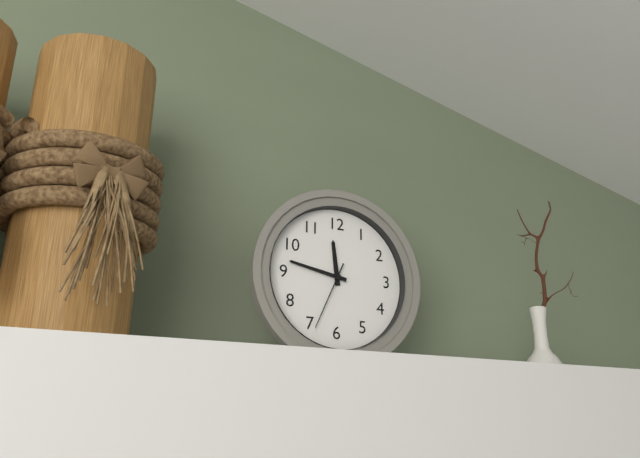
**11:47:34**
